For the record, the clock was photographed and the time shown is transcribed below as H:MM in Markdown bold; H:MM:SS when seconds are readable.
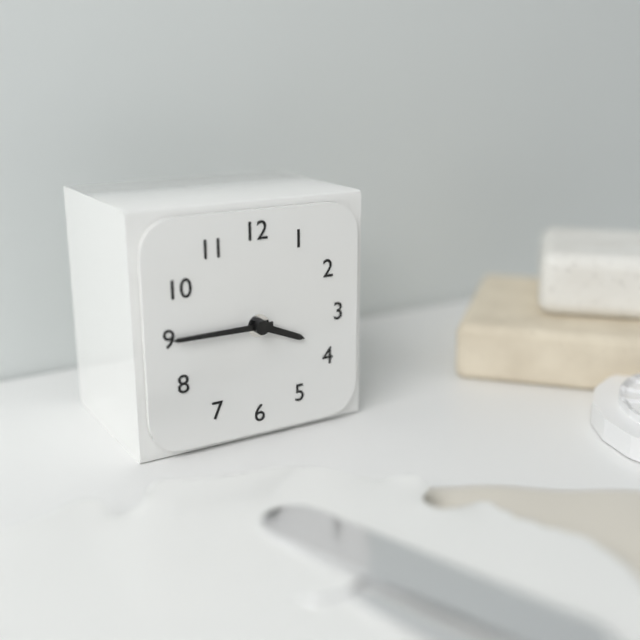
**3:45**
